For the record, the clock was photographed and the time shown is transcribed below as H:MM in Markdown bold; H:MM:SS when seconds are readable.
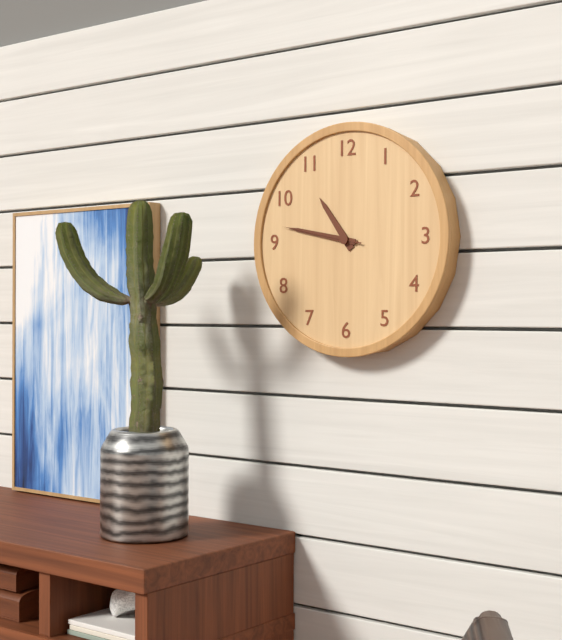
**10:47:47**
